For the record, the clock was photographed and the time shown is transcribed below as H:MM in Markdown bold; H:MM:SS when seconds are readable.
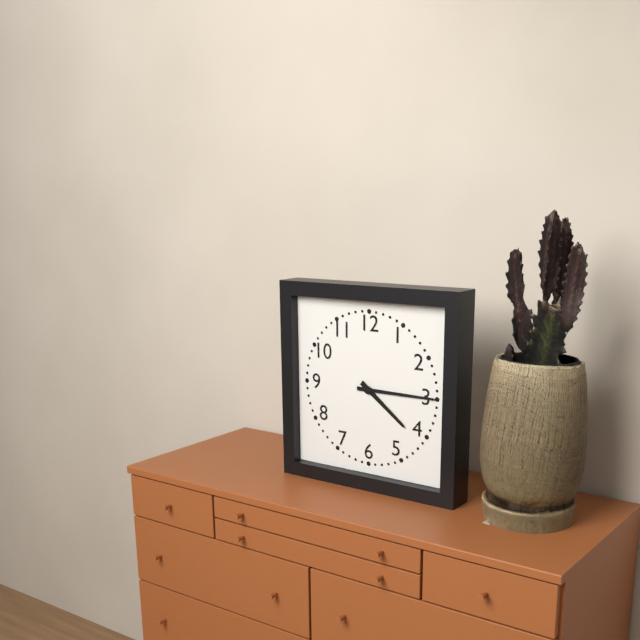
**4:15**
